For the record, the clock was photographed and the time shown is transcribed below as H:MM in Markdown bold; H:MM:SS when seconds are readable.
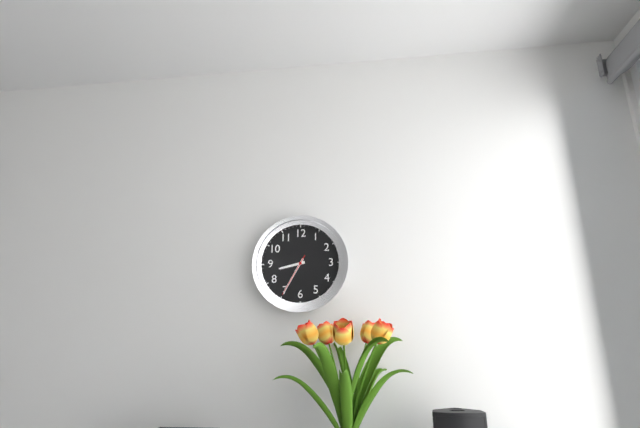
**8:35**
